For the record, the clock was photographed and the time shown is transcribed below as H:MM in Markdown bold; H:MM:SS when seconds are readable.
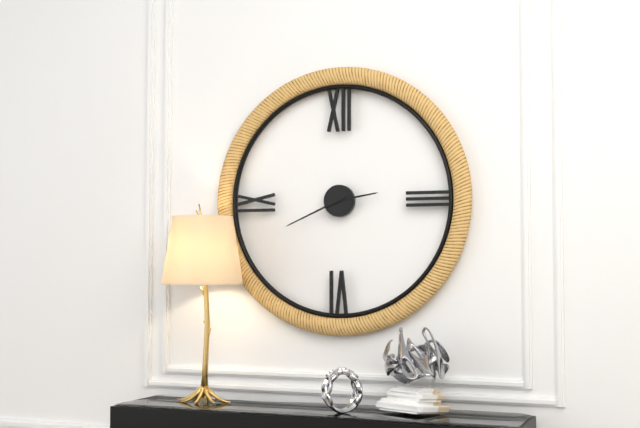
**2:41**
